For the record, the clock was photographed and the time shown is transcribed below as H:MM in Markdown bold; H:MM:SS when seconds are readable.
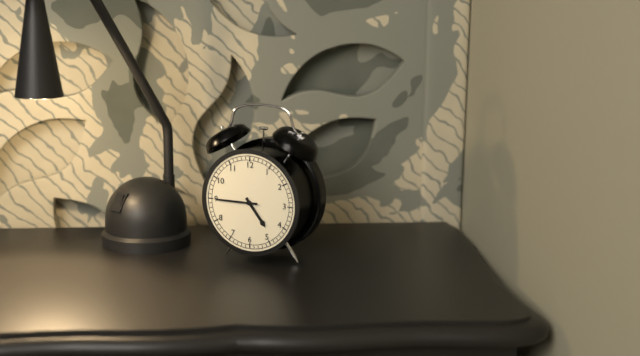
**4:45**
